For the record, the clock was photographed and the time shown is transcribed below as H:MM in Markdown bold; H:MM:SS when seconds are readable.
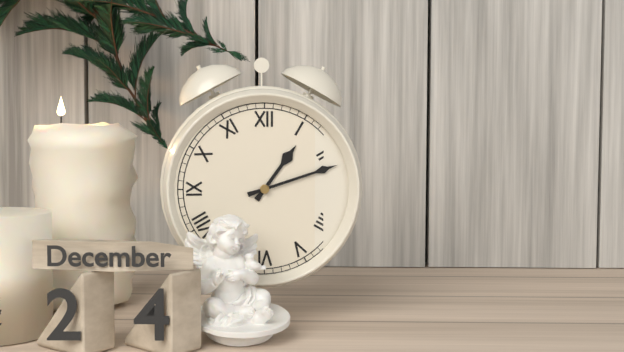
**1:12**
